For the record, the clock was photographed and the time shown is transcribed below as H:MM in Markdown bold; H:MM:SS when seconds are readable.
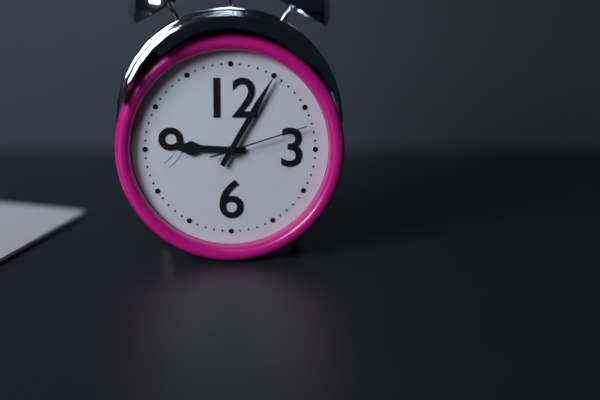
**9:05:12**
